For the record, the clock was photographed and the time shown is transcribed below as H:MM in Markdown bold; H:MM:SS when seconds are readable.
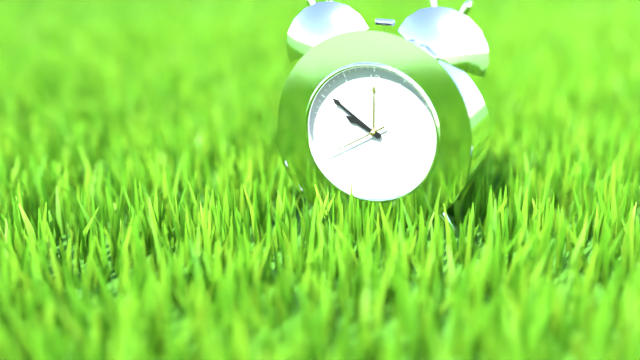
**9:51:40**
